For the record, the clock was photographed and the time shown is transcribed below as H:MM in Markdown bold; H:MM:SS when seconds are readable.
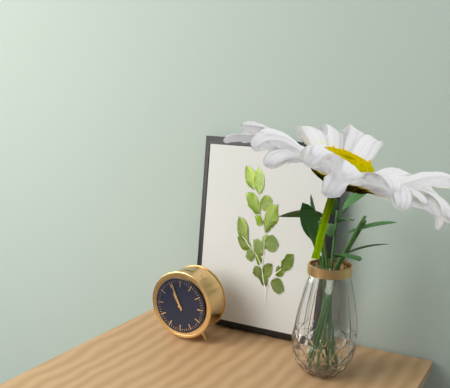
**10:56**
